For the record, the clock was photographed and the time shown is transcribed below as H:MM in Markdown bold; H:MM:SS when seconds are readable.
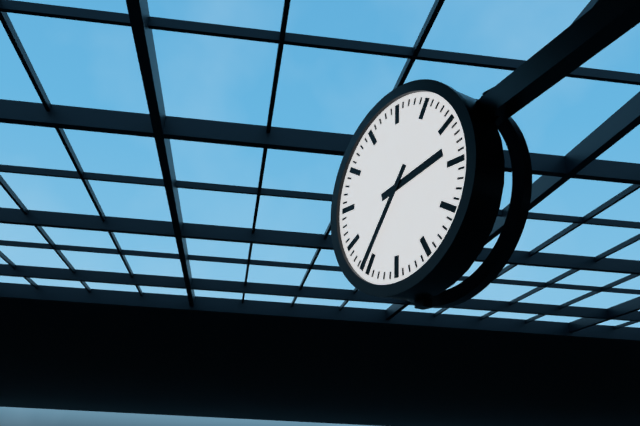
**2:36**
